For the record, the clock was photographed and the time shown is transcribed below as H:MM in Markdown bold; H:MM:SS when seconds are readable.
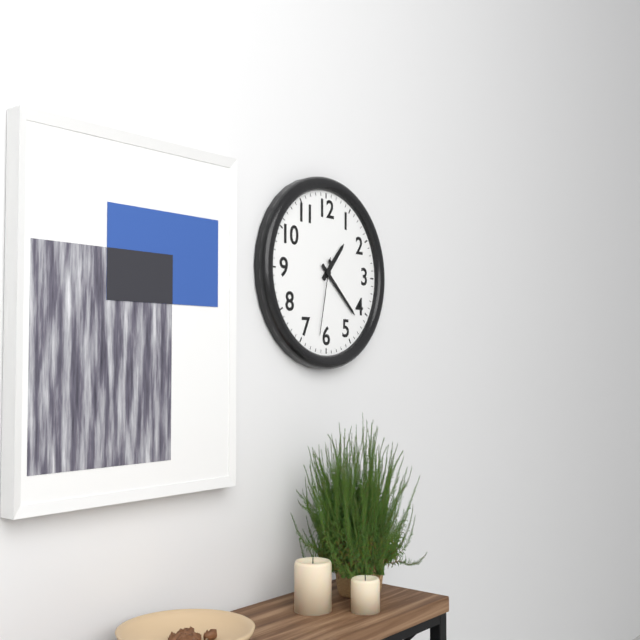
**1:22:32**
